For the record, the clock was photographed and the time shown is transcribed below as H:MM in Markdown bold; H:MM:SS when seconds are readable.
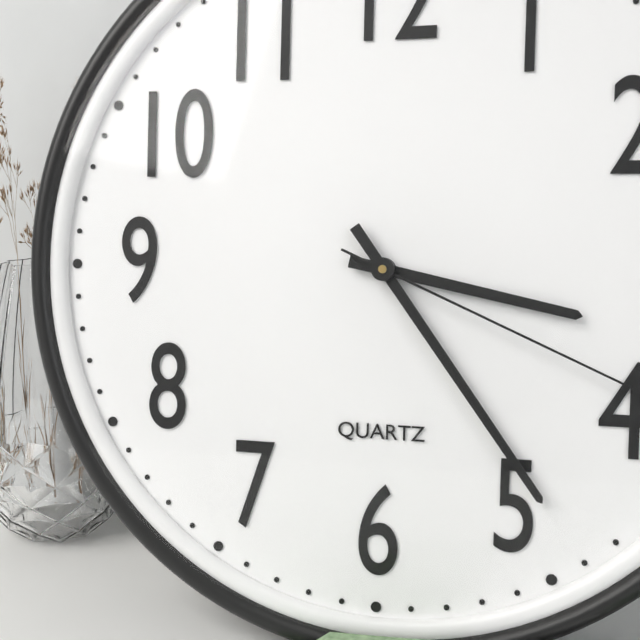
**3:24**
